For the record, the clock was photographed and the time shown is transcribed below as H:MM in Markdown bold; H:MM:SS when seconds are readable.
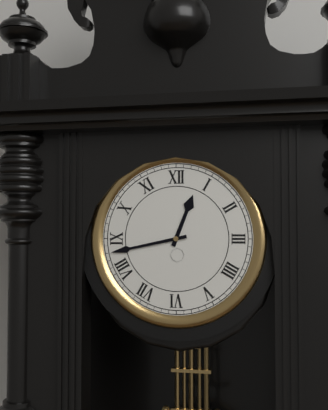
**12:43**
